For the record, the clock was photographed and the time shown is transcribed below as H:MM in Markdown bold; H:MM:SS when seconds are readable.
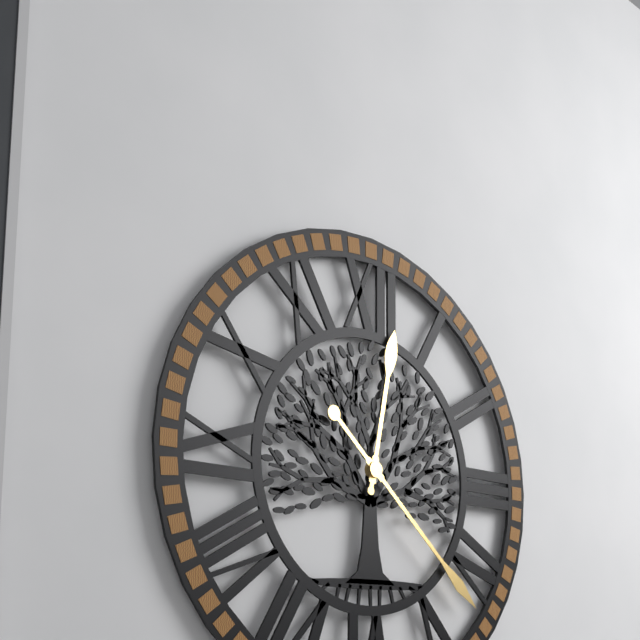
**12:22**
